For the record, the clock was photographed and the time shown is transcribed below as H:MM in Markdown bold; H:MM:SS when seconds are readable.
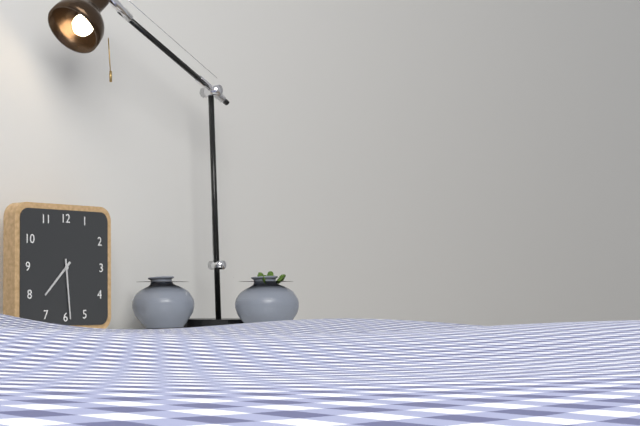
**7:29**
